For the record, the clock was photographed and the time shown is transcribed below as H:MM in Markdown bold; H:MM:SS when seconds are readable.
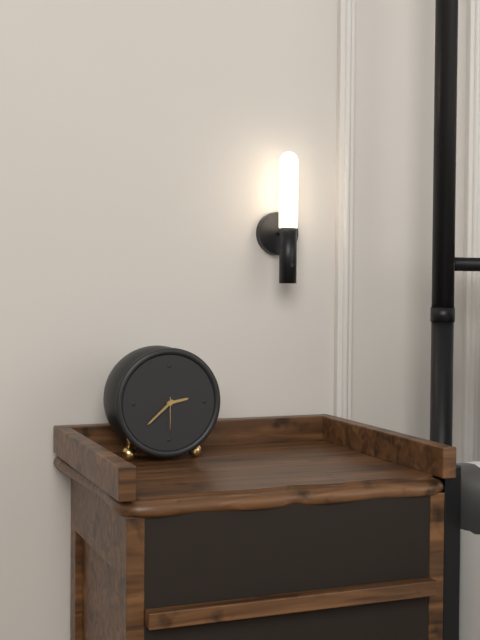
**2:38**
